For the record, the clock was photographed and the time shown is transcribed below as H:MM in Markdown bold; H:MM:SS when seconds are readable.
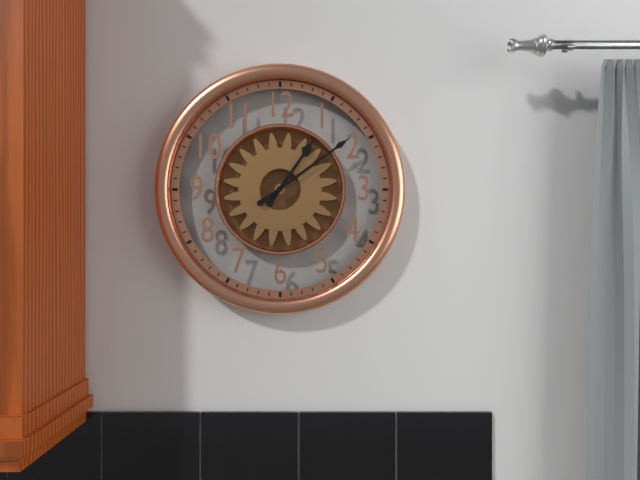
**1:09**
